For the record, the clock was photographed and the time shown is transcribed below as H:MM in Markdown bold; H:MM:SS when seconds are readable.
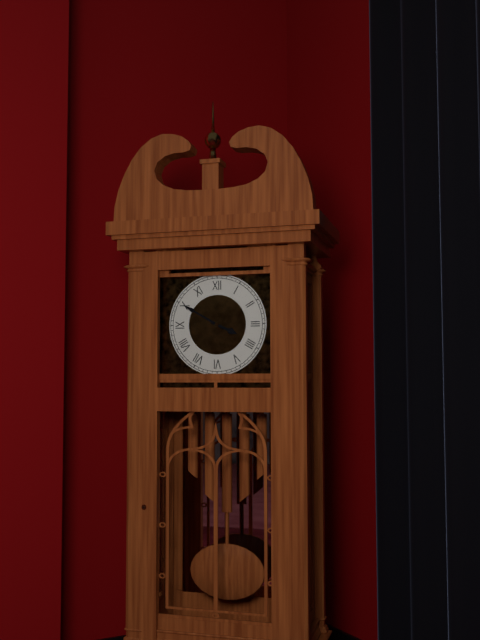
**3:50**
